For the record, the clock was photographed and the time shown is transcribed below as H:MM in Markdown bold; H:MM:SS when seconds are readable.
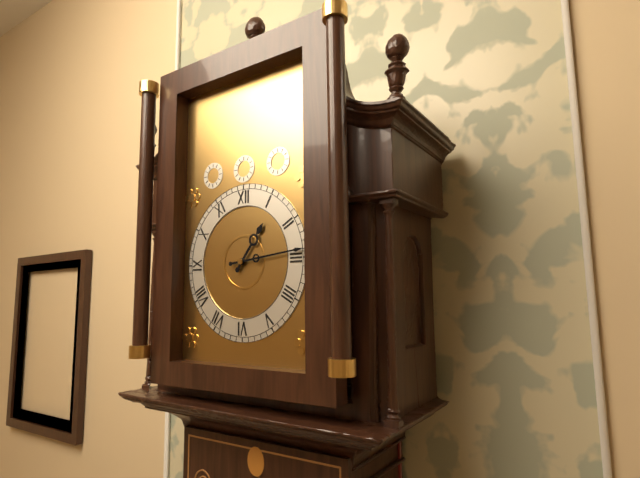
**1:14**
